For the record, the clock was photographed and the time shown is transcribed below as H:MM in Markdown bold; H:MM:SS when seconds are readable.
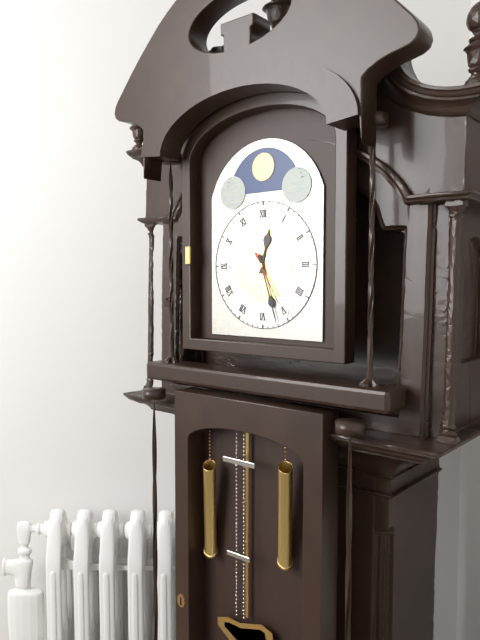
**12:27:25**
